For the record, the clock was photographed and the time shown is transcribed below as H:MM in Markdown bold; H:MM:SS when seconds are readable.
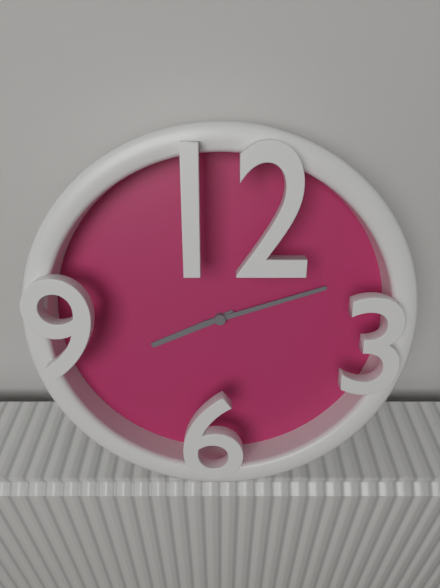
**8:12**
